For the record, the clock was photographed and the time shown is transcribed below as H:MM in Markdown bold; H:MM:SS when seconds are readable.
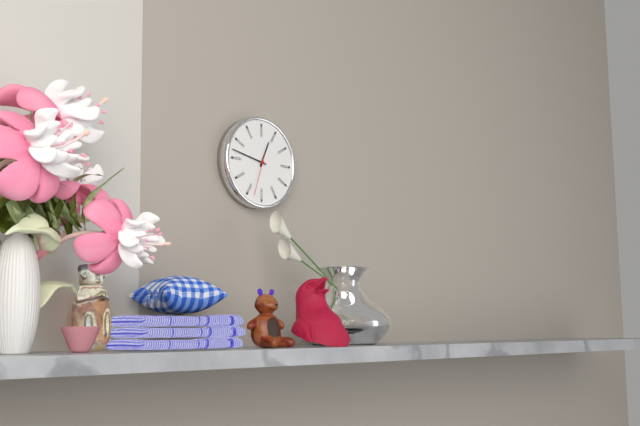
**12:47**
